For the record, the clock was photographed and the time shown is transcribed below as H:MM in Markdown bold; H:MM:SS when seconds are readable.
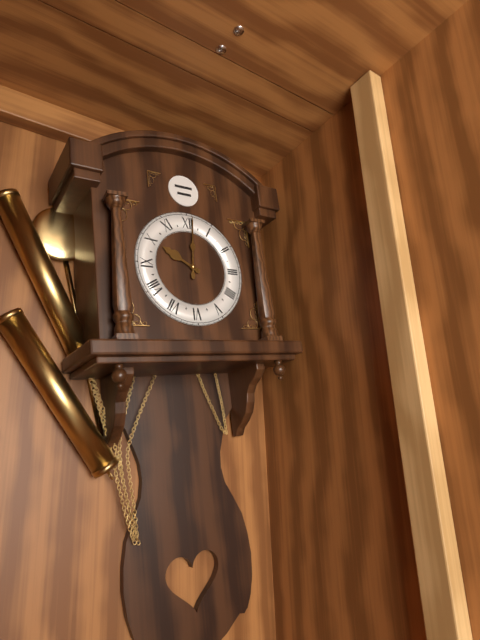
**10:01**
